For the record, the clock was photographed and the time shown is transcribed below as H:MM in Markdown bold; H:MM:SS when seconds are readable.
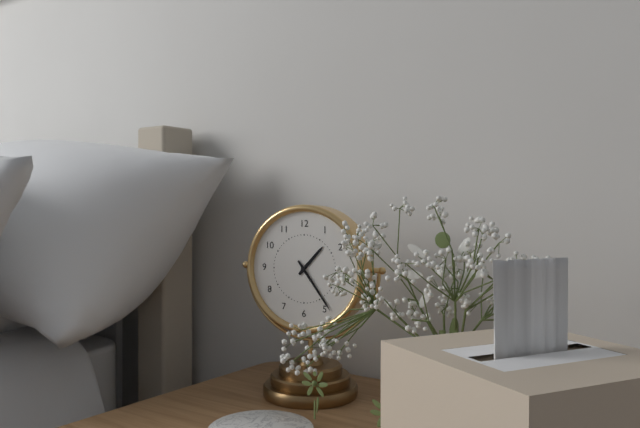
**1:24**
